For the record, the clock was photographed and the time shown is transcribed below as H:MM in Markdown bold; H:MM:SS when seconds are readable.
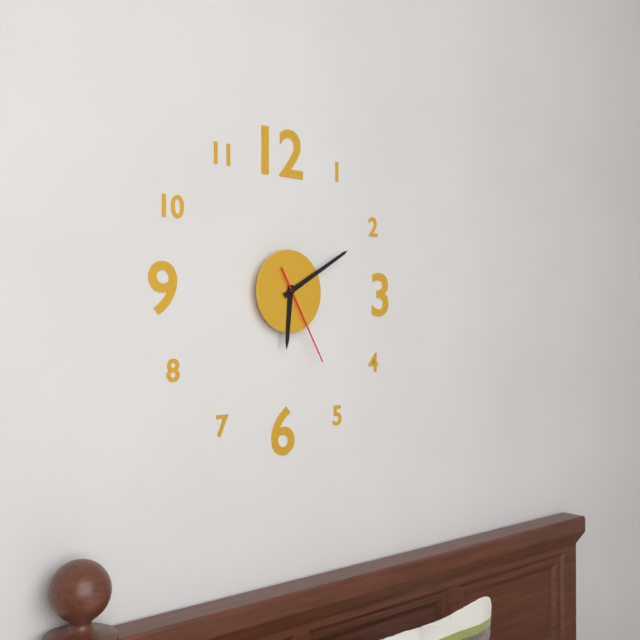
**6:10:25**
